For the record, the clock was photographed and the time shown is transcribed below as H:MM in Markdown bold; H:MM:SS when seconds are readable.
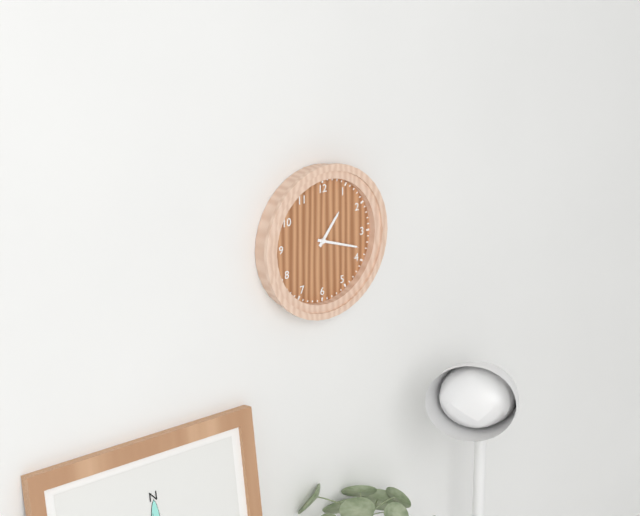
**1:18**
